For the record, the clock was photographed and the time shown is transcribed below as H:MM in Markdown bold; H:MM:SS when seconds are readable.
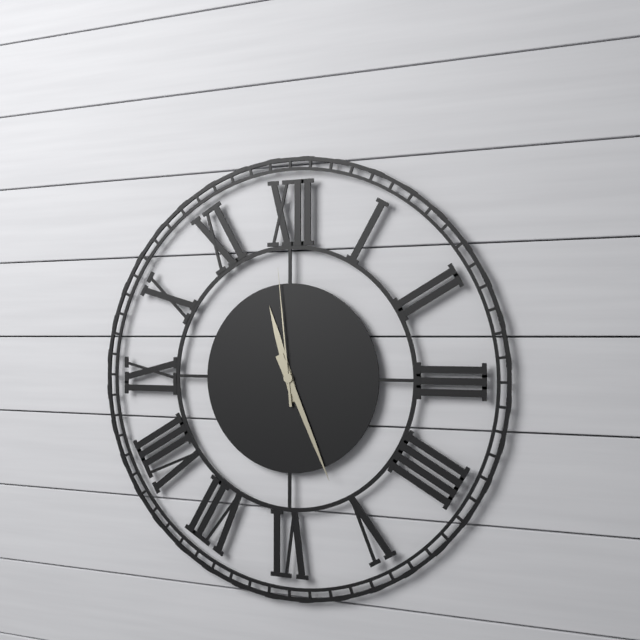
**11:26:59**
